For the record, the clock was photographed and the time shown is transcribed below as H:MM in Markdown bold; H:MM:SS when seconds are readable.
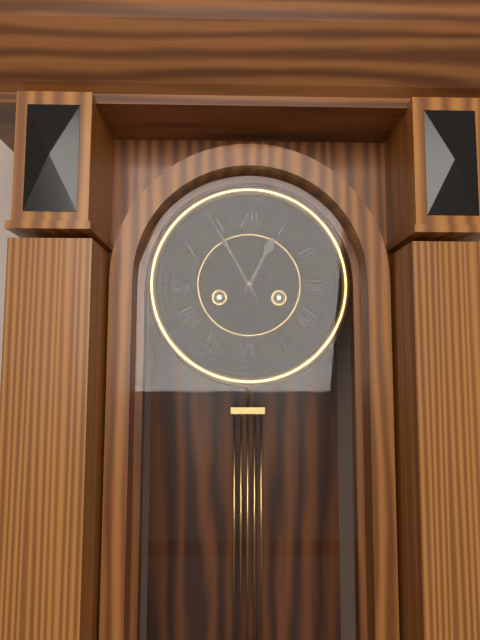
**12:55**
